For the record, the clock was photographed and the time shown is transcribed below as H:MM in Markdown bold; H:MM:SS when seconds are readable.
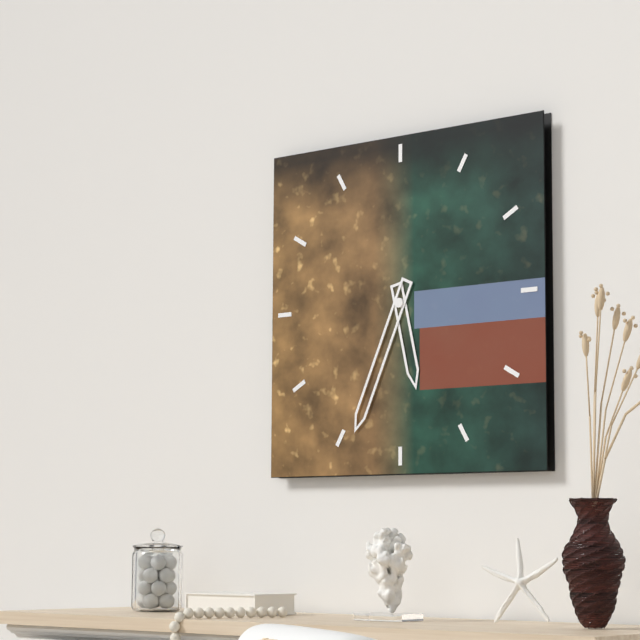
**5:34**
